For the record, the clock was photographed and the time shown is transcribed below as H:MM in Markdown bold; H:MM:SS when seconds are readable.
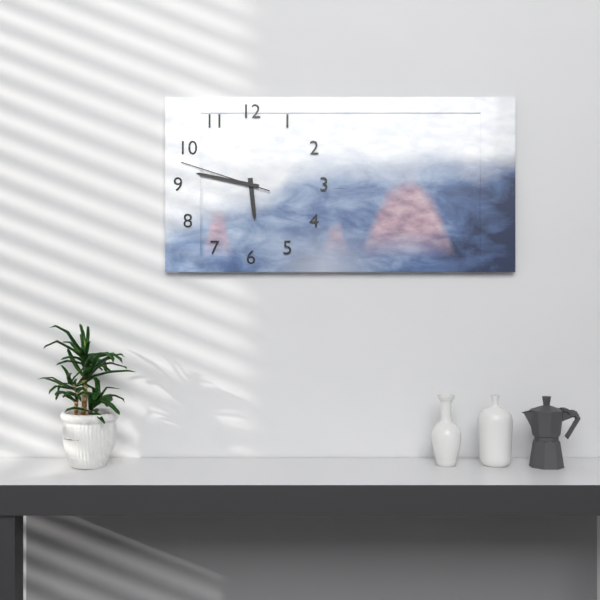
**5:47:48**
